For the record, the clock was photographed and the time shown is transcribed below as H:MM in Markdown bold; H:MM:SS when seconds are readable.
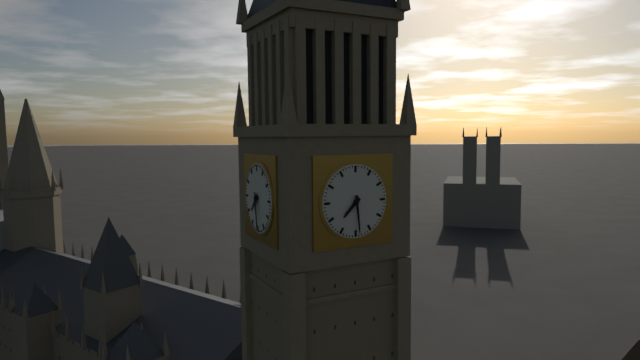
**7:29**
